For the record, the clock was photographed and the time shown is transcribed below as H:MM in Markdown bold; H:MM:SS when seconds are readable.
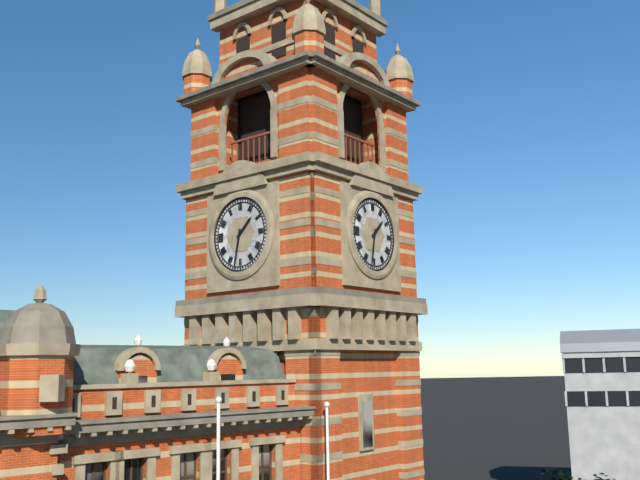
**1:32**
